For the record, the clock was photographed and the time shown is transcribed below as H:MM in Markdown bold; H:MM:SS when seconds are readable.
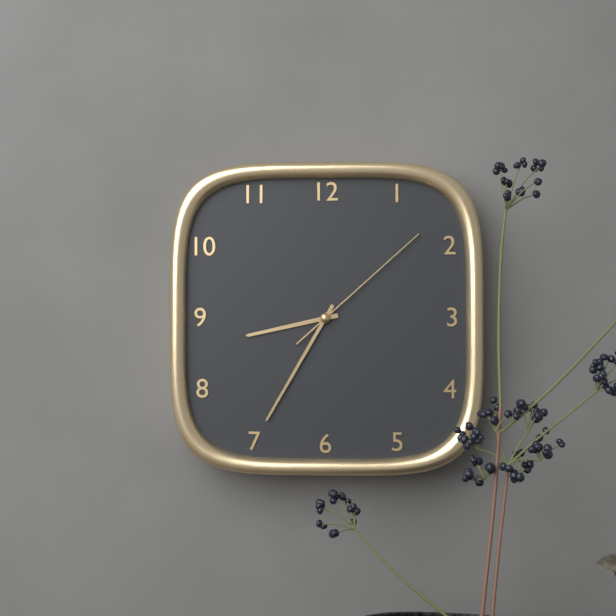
**8:35:08**
